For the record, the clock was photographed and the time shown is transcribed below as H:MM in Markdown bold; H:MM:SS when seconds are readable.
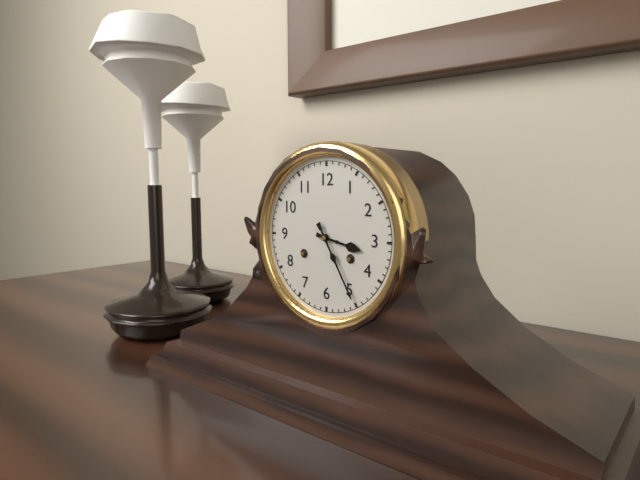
**3:25**
